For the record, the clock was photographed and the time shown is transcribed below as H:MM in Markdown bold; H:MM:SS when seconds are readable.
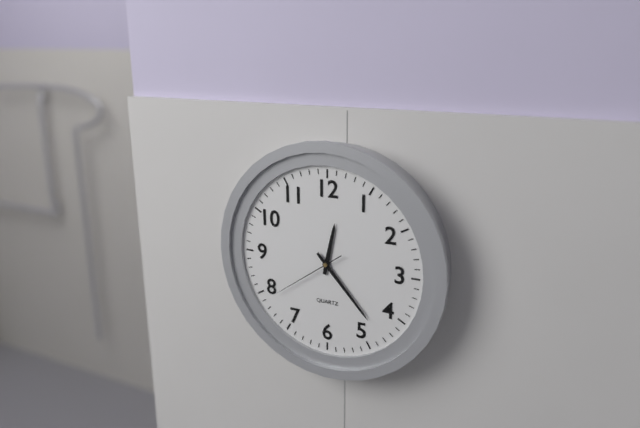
**12:23:39**
